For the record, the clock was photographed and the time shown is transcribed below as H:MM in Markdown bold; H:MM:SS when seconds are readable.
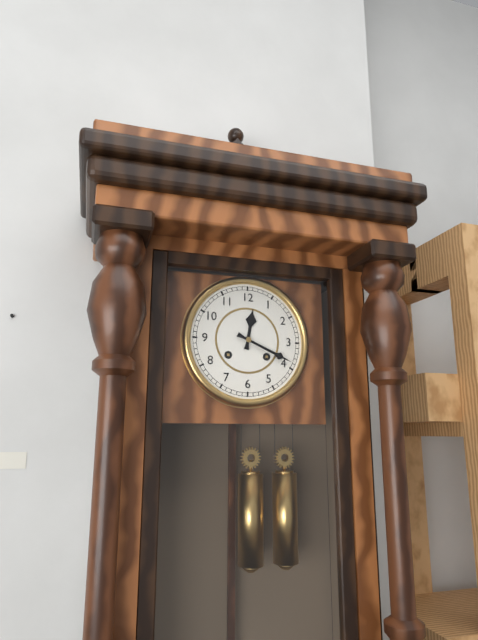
**12:19**
